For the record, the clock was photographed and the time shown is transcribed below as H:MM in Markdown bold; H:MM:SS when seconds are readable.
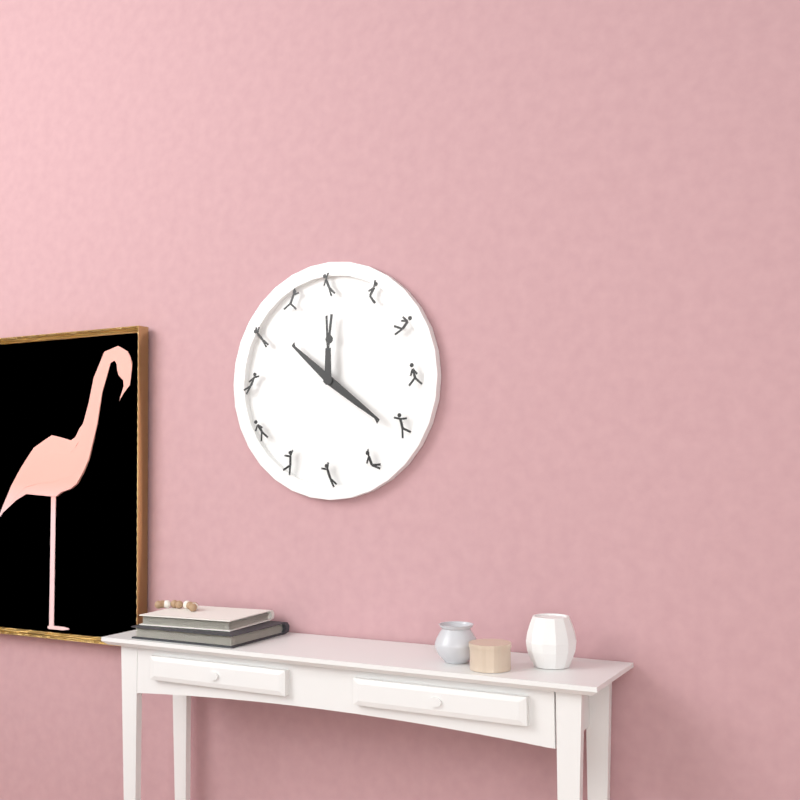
**10:21**
